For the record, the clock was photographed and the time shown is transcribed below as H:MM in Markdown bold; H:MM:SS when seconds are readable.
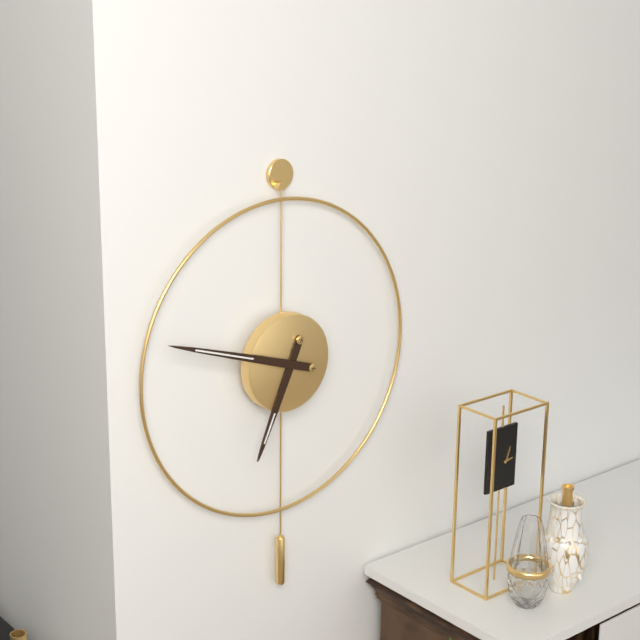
**6:48**
